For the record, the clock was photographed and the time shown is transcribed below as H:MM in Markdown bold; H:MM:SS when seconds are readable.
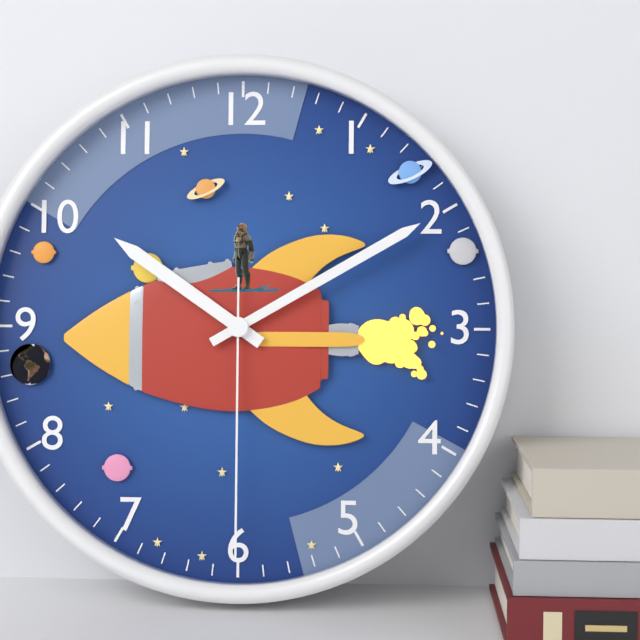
**10:10:30**
